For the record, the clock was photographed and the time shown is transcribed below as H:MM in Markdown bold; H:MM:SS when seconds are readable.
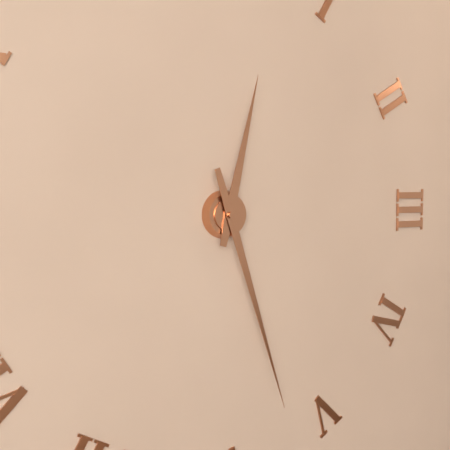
**12:27**
